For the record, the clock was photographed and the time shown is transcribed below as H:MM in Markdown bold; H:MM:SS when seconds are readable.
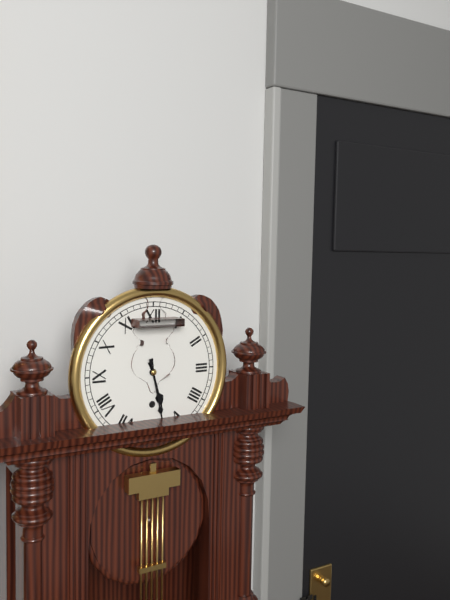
**5:28**
